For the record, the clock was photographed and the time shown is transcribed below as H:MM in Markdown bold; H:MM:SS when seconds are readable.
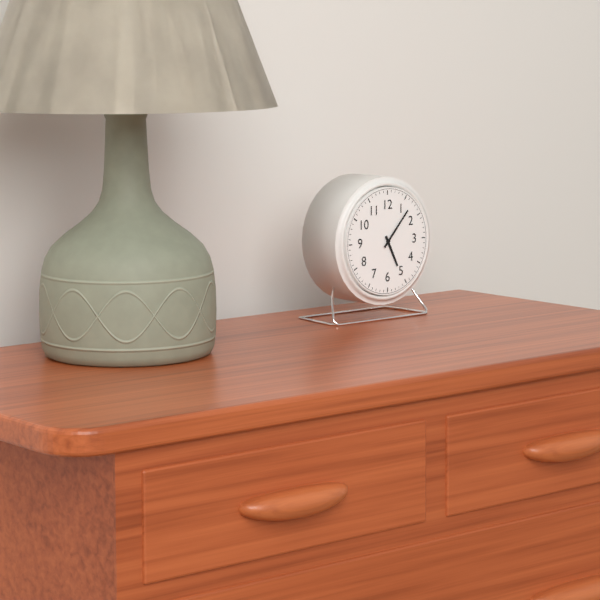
**5:07**
